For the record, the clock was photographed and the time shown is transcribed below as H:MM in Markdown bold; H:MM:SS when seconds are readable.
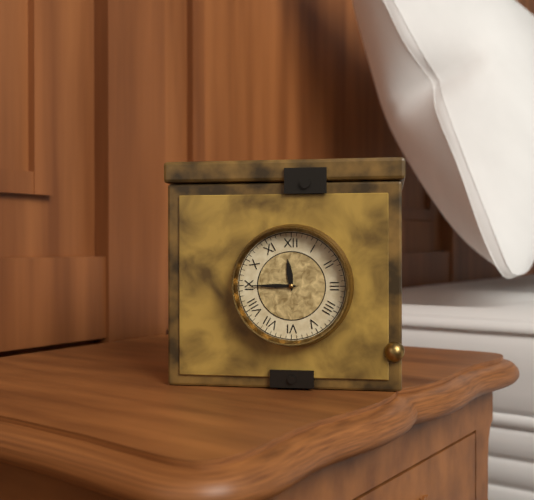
**11:45**
